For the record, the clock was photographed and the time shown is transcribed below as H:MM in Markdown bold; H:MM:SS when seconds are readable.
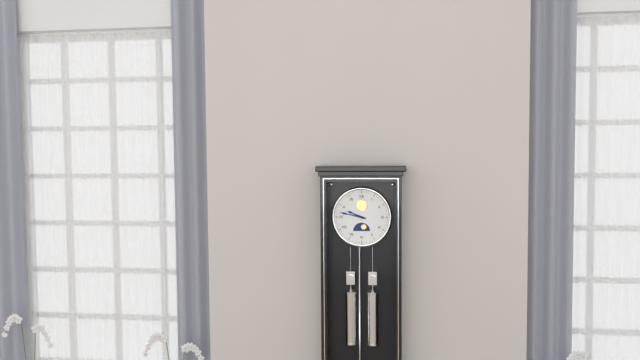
**9:47**
